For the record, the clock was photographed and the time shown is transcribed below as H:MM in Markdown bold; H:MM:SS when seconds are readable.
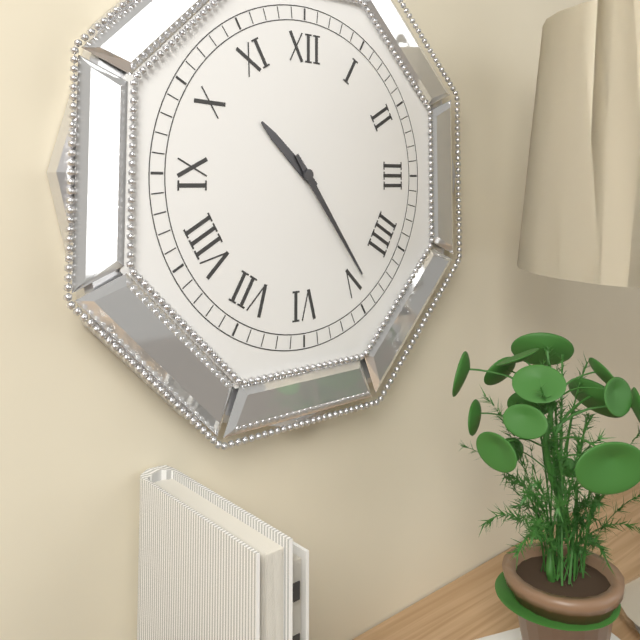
**10:24**
